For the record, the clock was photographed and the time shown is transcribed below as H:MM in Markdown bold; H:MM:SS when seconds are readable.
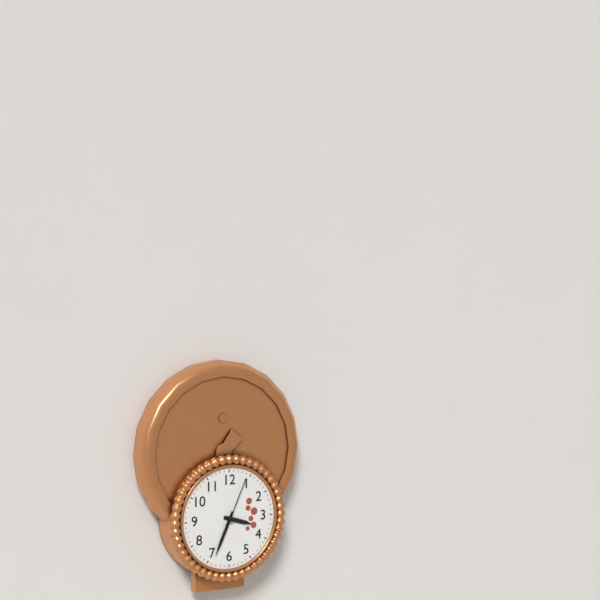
**3:34:04**
